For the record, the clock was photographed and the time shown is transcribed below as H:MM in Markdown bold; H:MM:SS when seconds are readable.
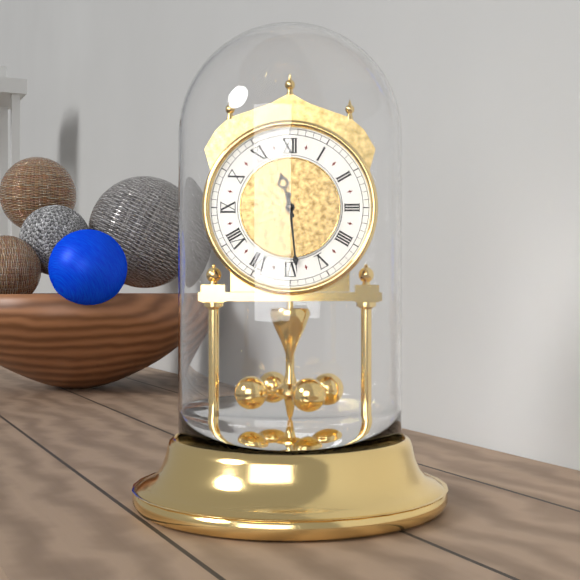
**11:29**
